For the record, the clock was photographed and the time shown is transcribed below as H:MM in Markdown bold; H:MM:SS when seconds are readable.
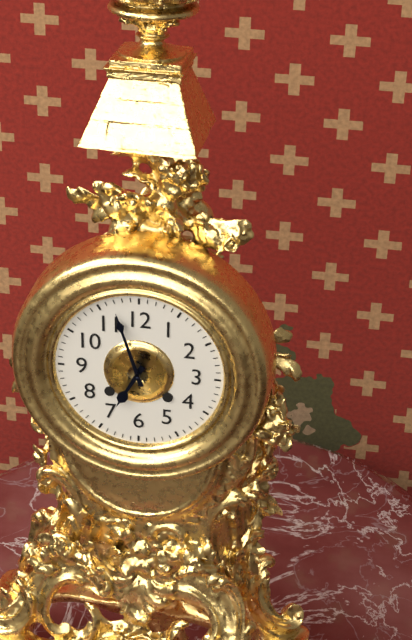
**6:57**
